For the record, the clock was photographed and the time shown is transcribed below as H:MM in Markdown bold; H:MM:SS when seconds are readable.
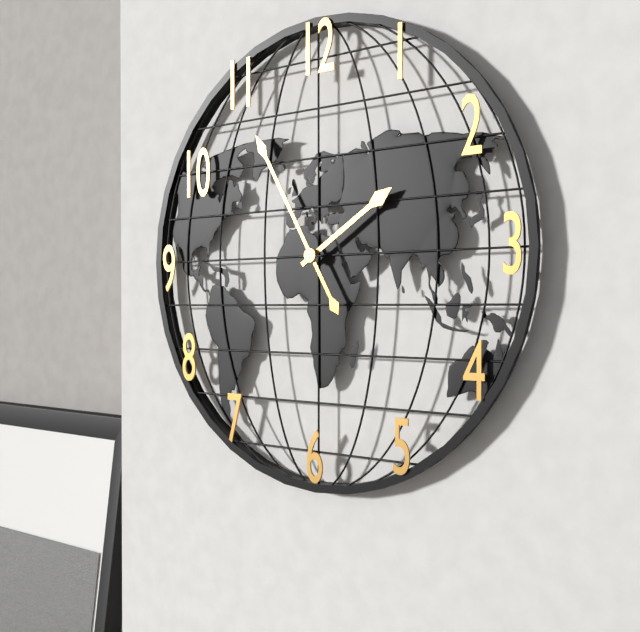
**1:55**
